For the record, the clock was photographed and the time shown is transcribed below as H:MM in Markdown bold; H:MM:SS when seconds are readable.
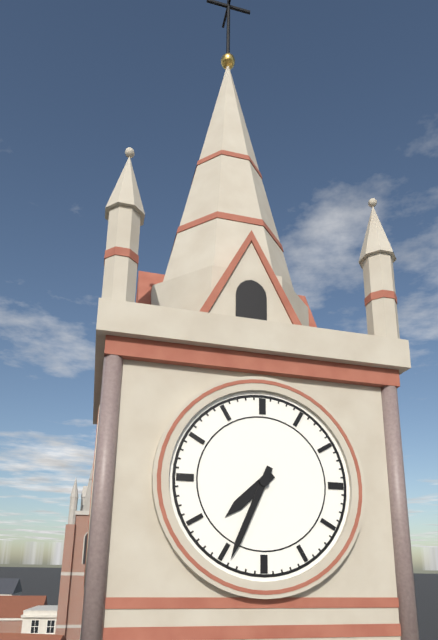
**7:34**
